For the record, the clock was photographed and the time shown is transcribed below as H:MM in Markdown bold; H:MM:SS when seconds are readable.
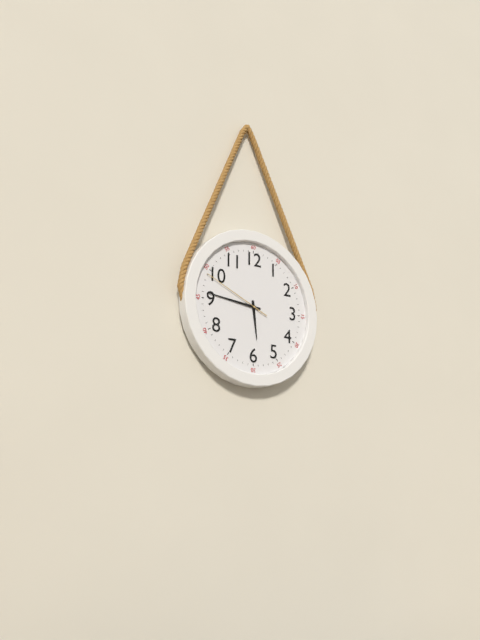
**5:46:49**
